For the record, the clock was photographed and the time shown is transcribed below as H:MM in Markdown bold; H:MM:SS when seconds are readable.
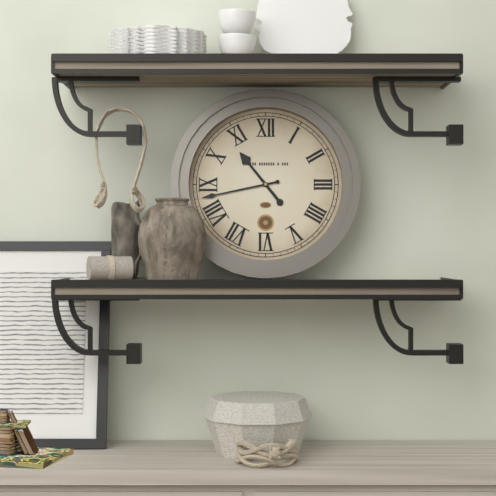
**10:43**
